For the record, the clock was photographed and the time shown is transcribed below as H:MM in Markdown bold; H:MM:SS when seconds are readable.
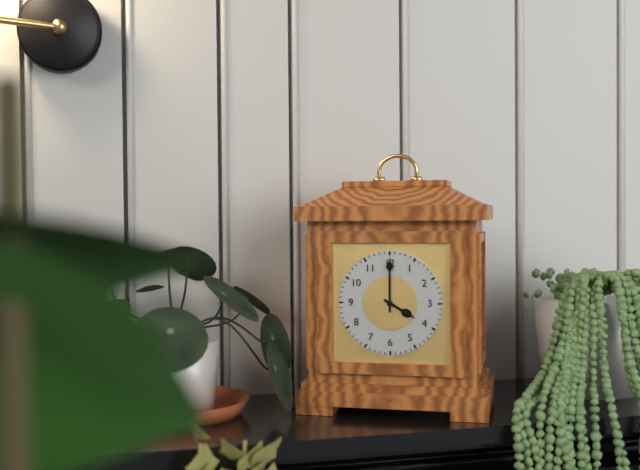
**4:00**
